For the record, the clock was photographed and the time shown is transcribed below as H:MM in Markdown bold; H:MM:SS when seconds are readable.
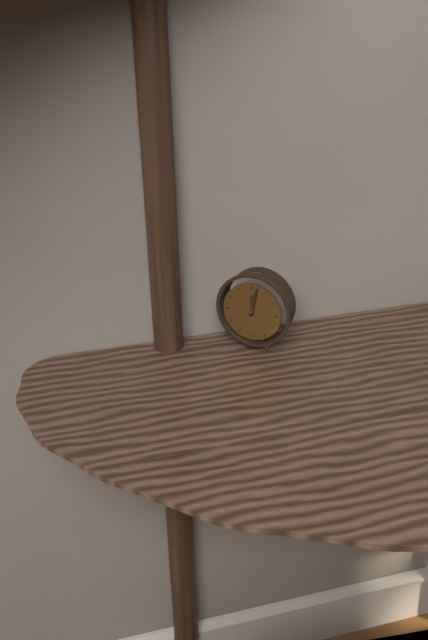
**12:02**
